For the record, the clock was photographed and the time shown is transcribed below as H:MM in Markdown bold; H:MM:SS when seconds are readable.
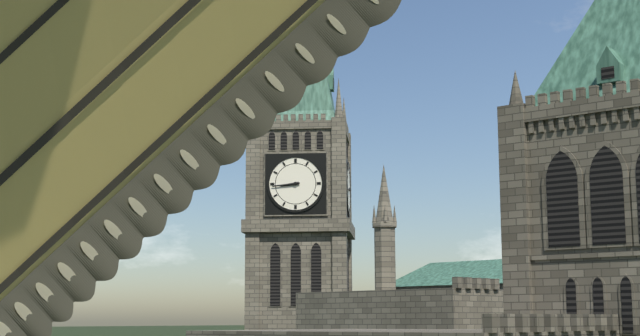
**8:44**
